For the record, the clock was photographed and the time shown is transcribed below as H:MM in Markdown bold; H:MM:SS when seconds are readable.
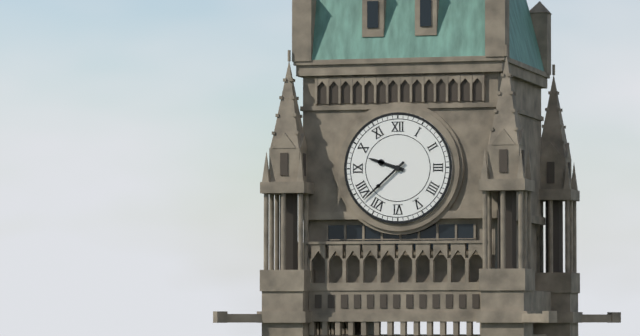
**9:38**
